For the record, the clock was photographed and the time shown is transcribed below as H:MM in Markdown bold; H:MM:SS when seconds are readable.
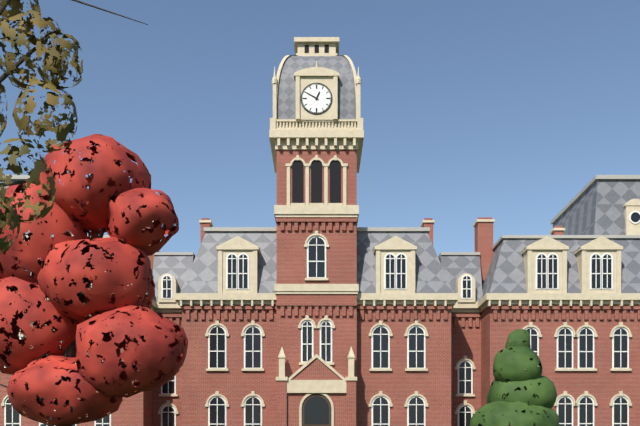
**12:50**
